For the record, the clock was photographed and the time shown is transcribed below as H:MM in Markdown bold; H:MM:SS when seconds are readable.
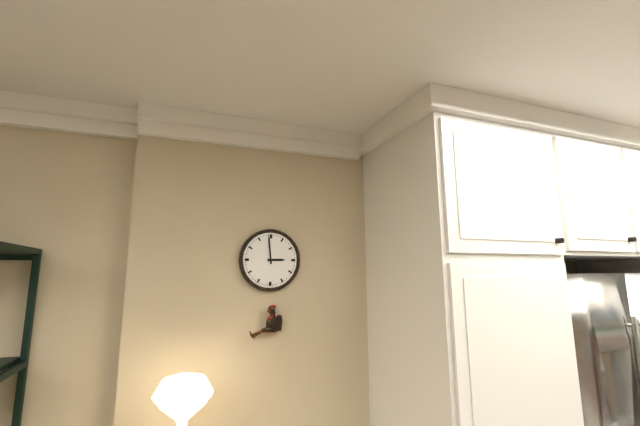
**2:59**
